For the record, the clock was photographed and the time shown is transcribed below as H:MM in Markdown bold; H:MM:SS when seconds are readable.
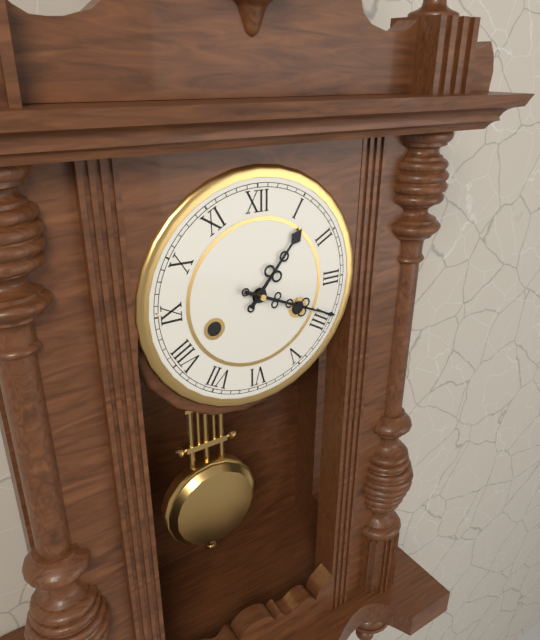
**1:19**
